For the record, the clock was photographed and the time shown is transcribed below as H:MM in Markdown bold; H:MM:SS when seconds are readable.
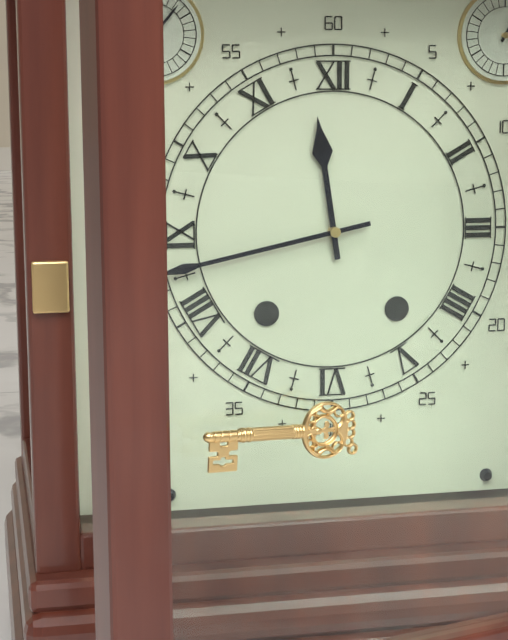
**11:43**
